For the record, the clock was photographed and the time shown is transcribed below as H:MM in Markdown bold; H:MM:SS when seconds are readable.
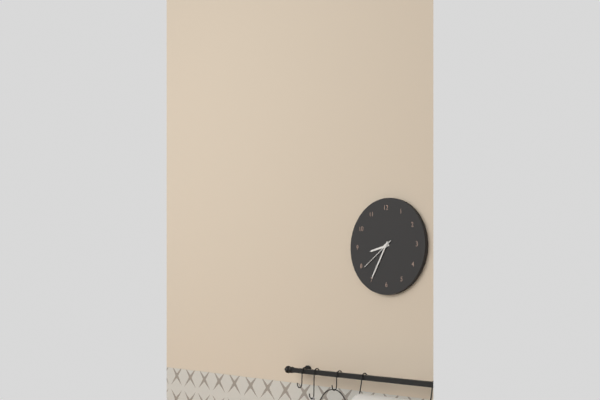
**8:35**
